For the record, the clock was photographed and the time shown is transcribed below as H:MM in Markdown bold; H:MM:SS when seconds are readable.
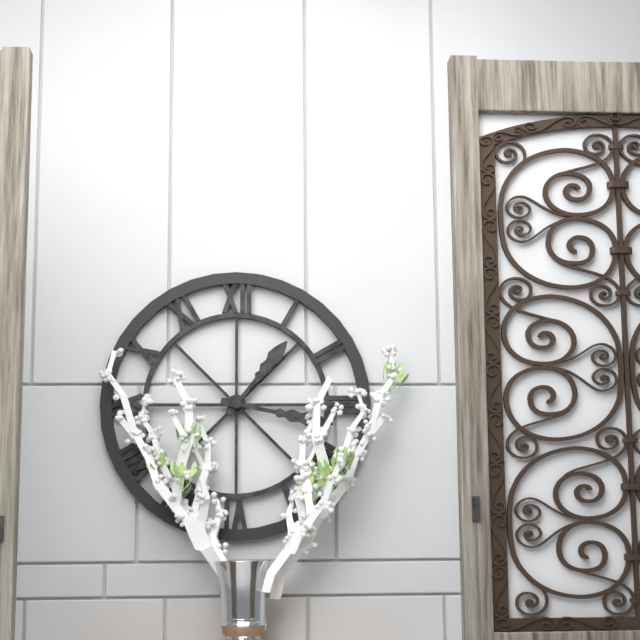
**1:17**
